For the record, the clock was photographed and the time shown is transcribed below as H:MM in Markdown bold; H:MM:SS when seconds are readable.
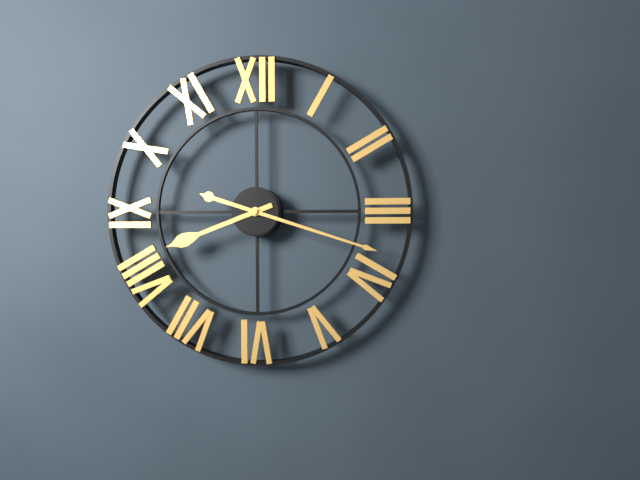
**8:18**
